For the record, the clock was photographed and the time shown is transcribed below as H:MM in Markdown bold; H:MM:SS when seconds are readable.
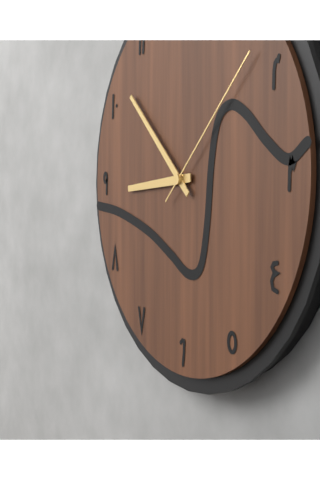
**8:52:08**
